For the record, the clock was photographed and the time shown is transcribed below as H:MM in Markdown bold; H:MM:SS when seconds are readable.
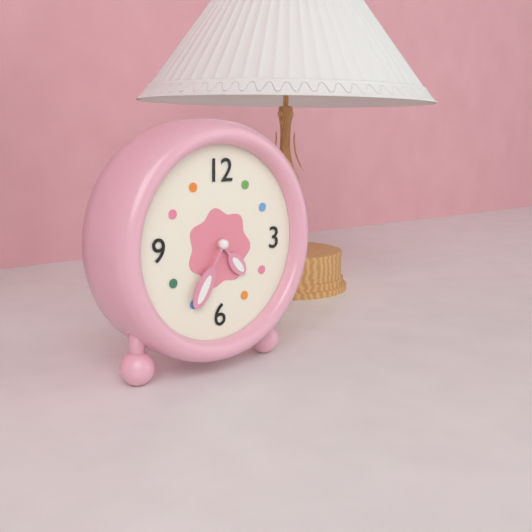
**4:35**
